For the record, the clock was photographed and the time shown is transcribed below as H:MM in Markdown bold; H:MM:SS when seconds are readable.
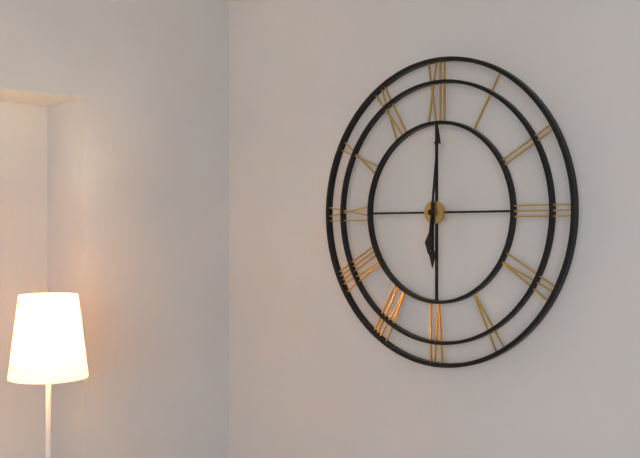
**6:01**
